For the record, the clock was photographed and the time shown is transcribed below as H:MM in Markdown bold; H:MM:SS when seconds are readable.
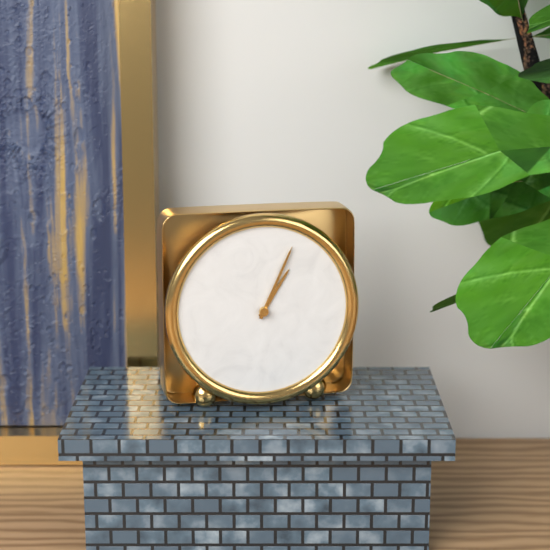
**1:04**
